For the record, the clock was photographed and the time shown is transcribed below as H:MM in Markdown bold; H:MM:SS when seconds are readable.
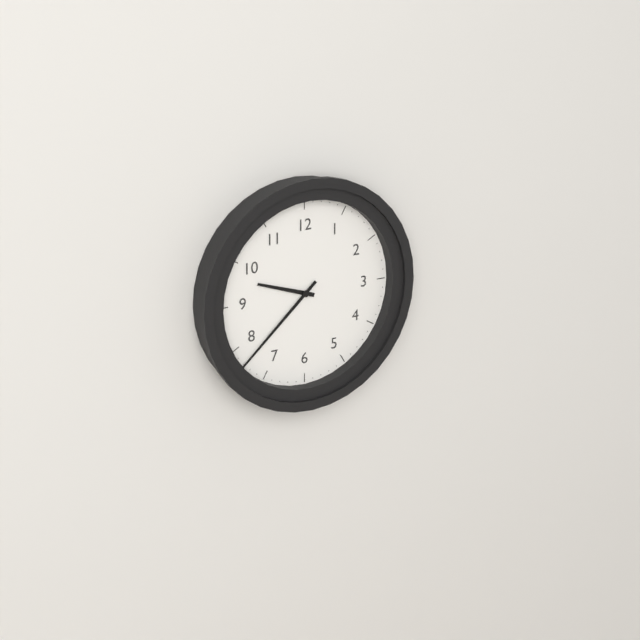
**9:38**
